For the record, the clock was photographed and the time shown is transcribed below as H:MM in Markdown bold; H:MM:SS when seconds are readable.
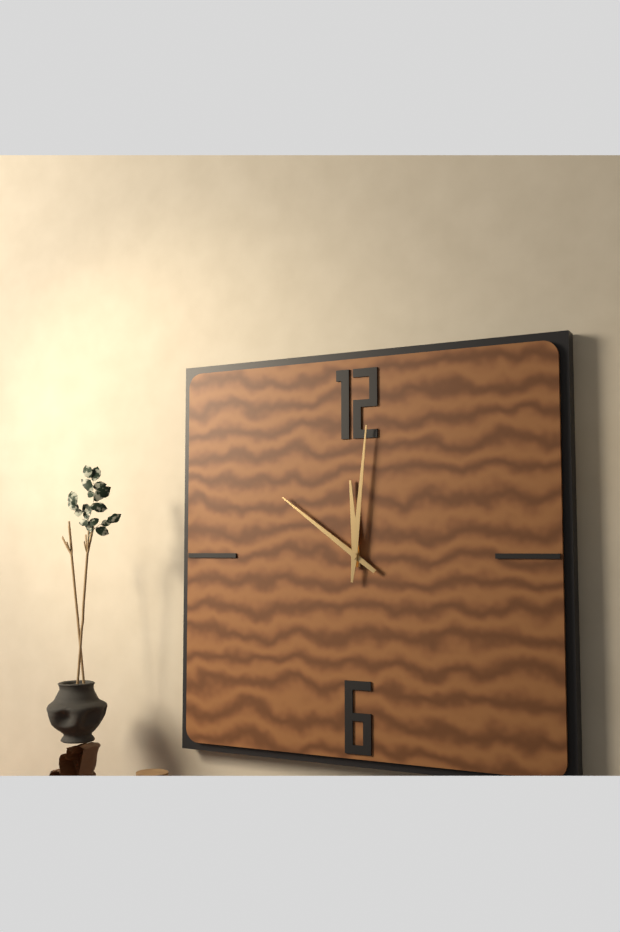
**11:51:01**
